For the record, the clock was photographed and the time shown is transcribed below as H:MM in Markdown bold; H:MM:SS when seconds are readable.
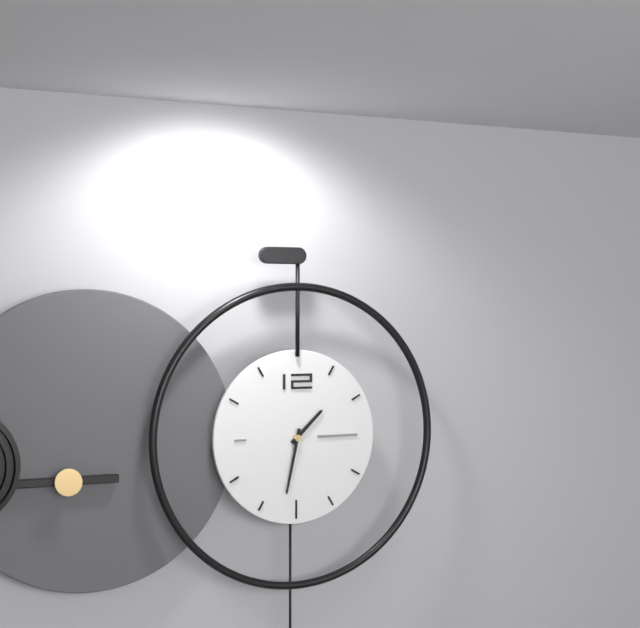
**1:32**
